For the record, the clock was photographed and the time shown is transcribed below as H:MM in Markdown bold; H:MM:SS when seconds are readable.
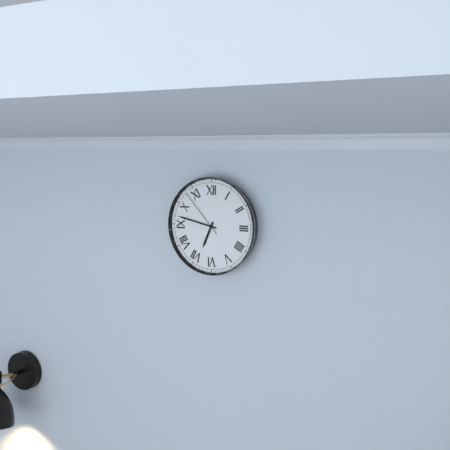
**6:47:53**
